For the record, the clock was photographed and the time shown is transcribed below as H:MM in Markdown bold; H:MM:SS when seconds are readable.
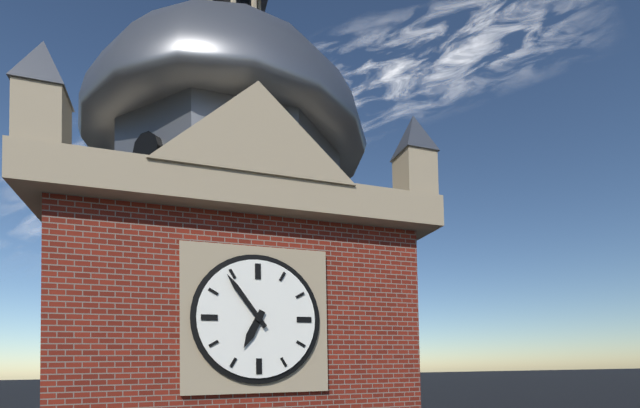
**6:54**
